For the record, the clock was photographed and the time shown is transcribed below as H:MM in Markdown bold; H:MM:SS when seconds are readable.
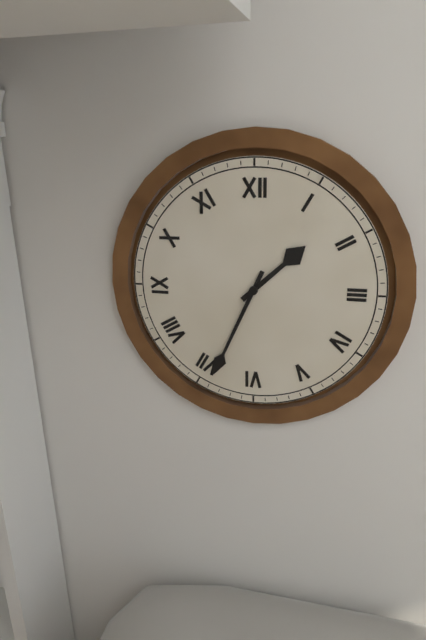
**1:34**
